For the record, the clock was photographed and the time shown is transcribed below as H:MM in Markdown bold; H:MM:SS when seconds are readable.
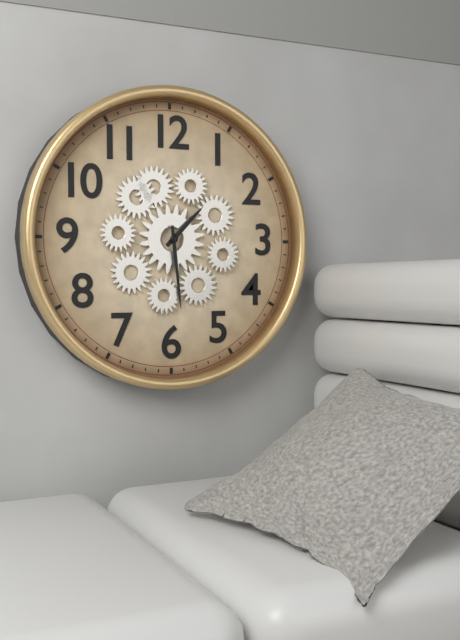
**1:29**
